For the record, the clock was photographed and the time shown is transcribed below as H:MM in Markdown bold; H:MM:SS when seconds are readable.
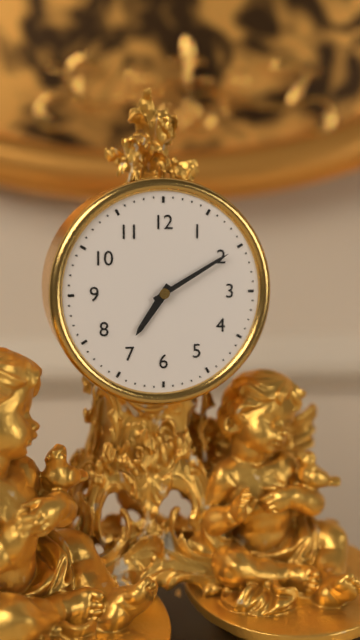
**7:10**
